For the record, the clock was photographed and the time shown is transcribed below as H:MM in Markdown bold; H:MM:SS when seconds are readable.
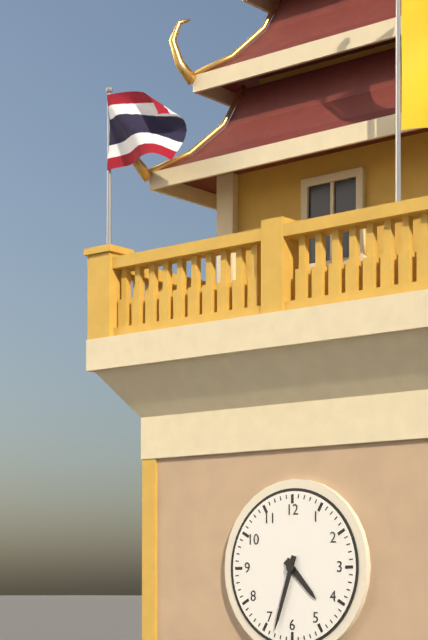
**4:33**
